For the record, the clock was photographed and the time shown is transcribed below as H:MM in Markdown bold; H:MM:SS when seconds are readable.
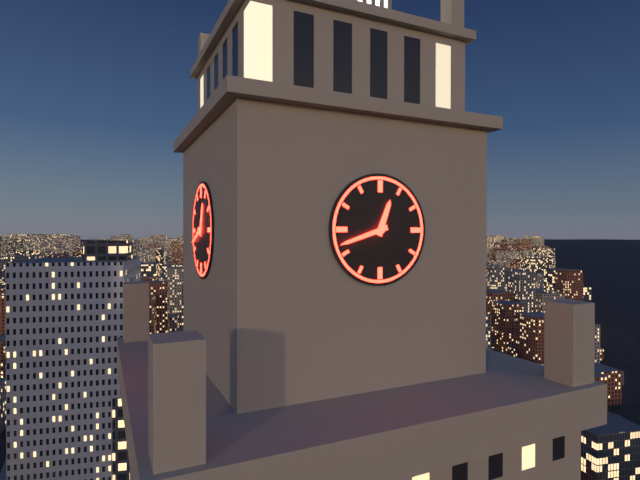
**12:42**
